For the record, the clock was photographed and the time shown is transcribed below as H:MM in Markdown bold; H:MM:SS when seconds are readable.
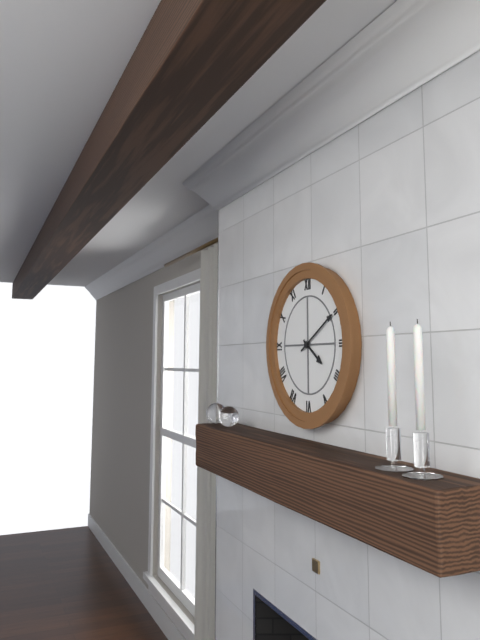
**4:10**
